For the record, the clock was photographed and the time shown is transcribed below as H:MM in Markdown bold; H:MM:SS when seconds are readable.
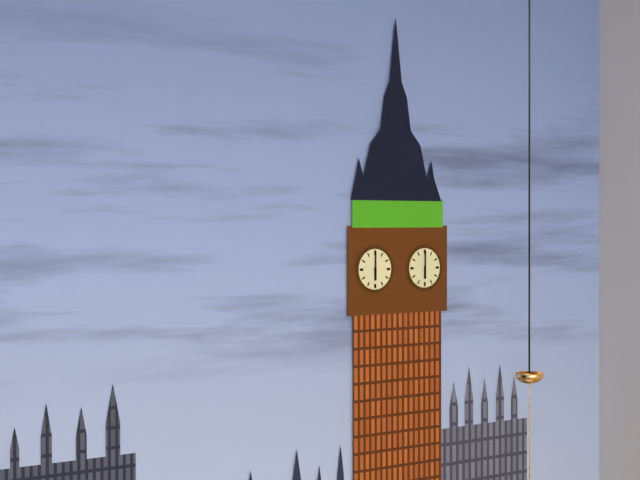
**6:00**
